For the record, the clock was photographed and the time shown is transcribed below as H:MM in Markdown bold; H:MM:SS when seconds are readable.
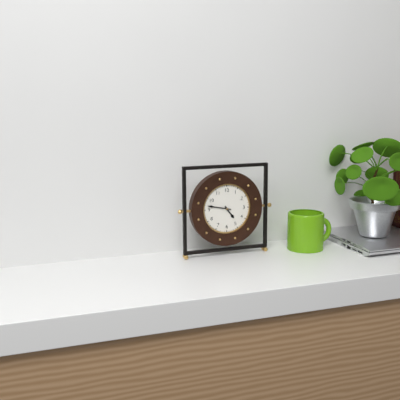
**4:47**
